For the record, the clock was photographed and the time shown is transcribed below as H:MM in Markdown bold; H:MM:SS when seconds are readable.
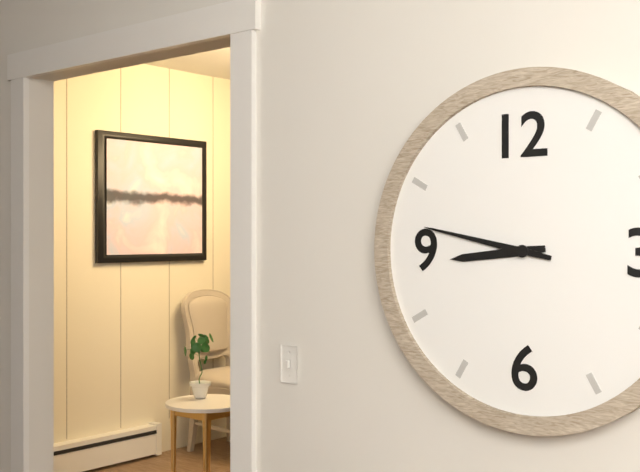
**8:47**
